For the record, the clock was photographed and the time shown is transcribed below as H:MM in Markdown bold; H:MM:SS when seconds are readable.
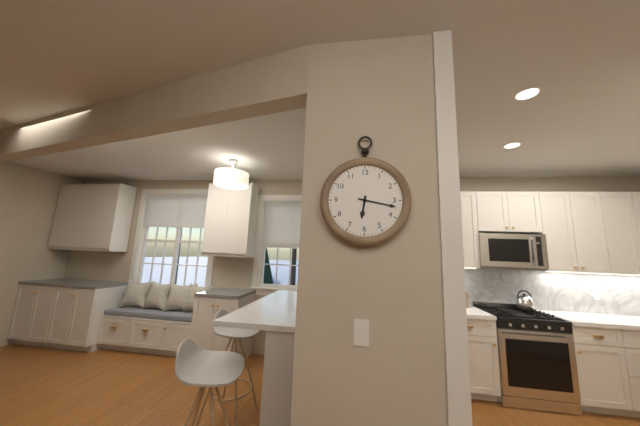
**6:17**
